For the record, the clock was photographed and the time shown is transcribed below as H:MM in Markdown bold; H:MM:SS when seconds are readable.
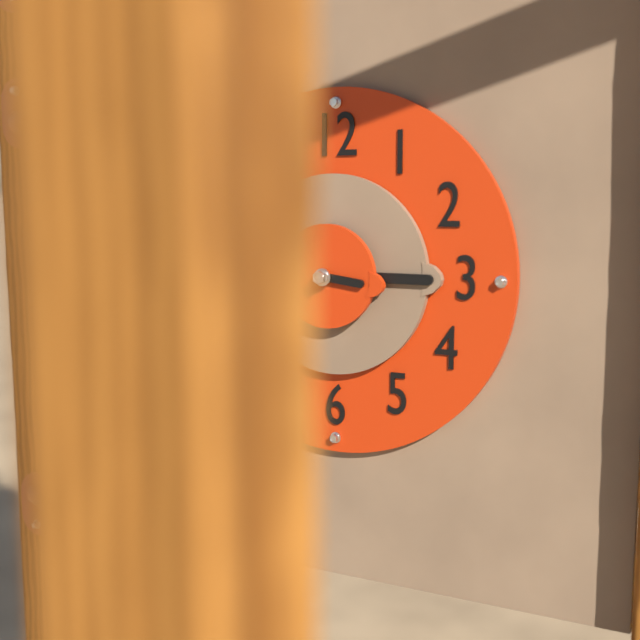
**3:15**
